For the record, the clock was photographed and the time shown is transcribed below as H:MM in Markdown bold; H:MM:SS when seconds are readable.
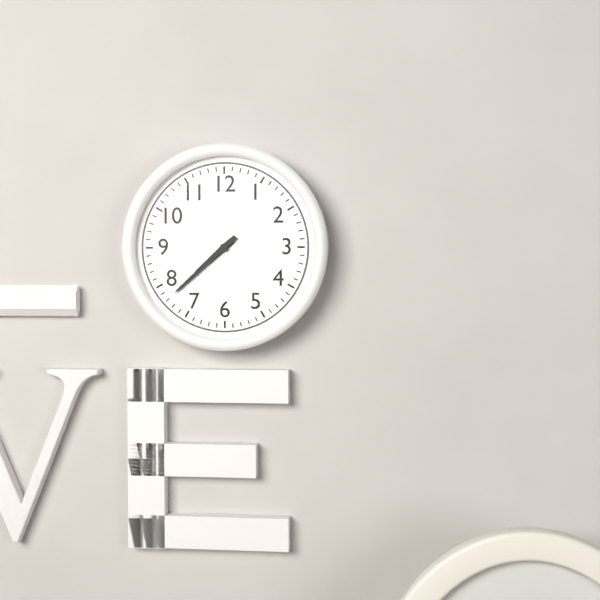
**7:38**
